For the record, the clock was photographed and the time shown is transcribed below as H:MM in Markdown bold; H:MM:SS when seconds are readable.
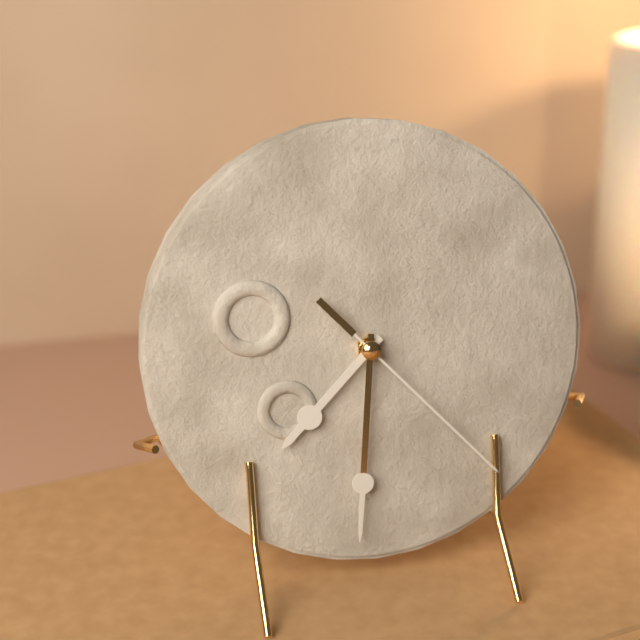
**7:31:23**
